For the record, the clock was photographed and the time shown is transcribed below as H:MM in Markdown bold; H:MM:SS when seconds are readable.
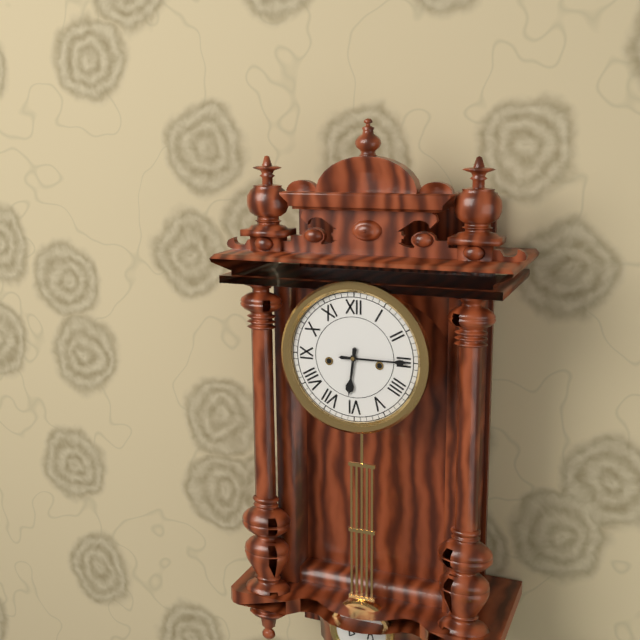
**6:15**
